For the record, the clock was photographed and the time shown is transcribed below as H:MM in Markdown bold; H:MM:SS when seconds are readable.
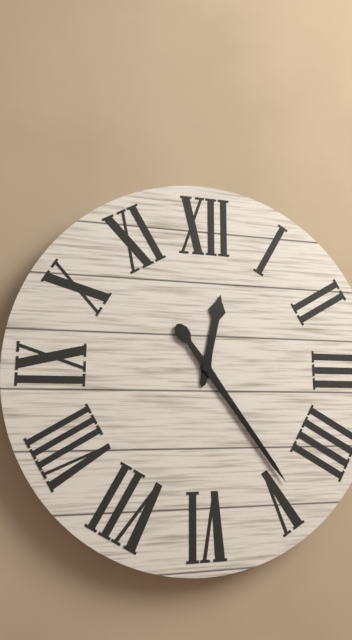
**12:24**
